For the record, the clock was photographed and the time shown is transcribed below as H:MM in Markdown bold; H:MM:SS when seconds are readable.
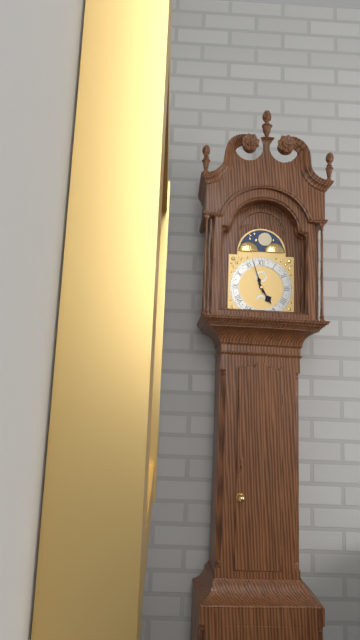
**4:57**
